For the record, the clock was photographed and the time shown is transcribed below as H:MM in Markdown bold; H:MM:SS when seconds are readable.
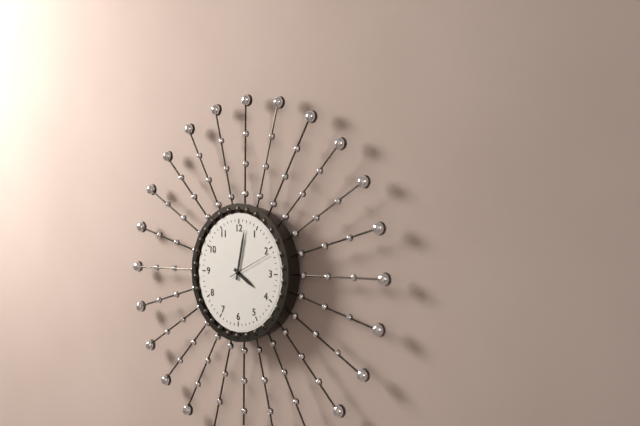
**4:02**
